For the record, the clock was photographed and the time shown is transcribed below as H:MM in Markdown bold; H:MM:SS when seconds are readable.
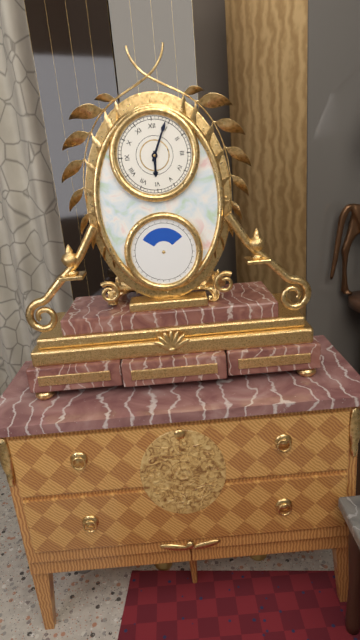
**6:04**
